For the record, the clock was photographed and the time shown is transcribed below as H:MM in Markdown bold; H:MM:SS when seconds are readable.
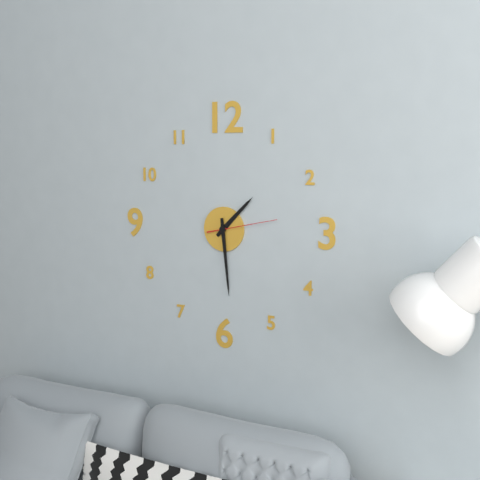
**1:29:13**
